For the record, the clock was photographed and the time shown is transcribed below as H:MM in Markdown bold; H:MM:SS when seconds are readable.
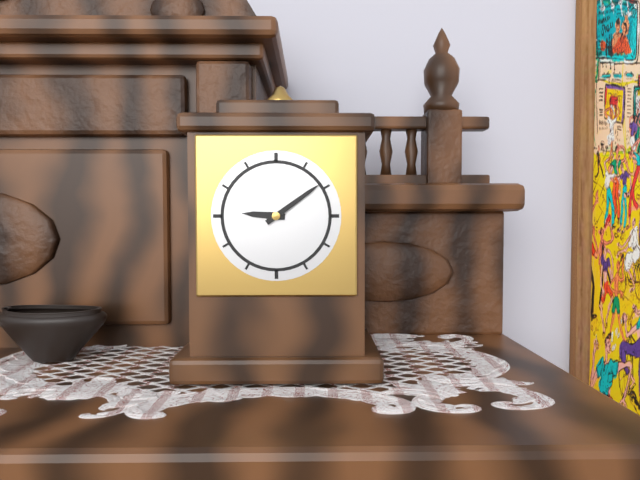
**9:09**
